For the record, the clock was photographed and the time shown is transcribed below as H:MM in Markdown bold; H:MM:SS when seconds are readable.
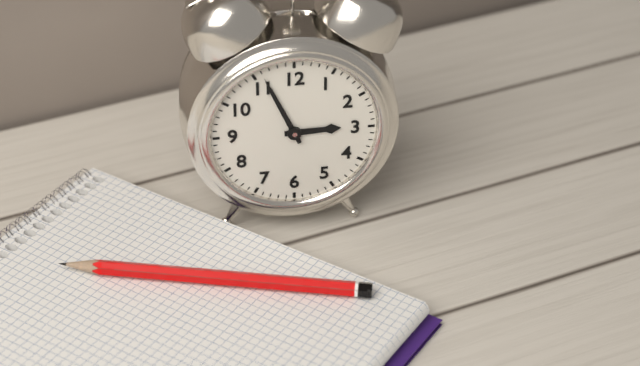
**2:56**
